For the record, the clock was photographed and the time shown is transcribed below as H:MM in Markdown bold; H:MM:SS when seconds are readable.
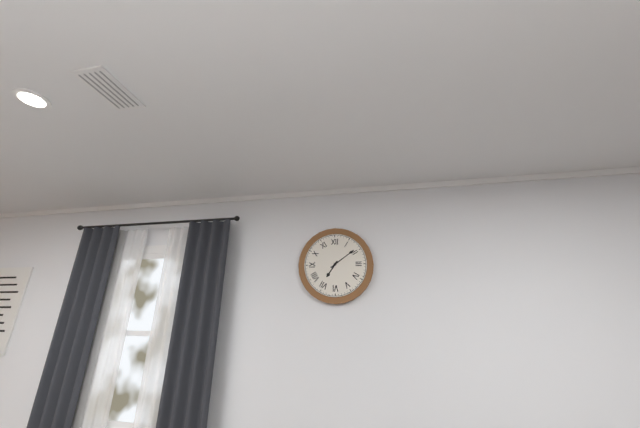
**7:09**
